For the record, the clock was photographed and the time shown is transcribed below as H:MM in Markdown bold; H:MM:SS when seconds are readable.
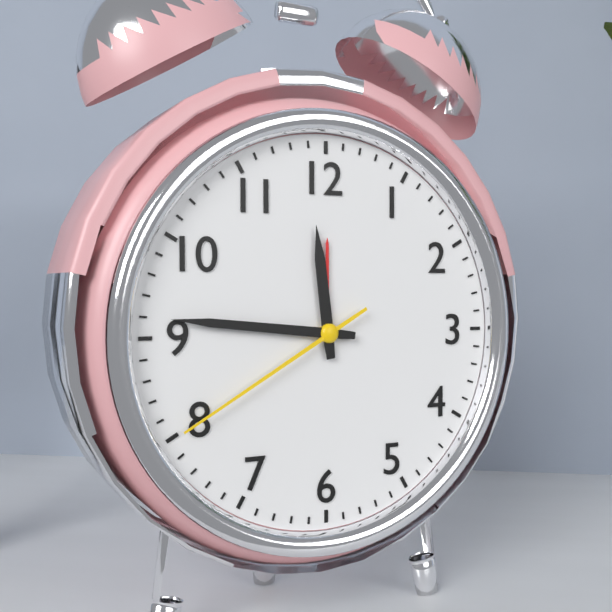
**11:46:40**
